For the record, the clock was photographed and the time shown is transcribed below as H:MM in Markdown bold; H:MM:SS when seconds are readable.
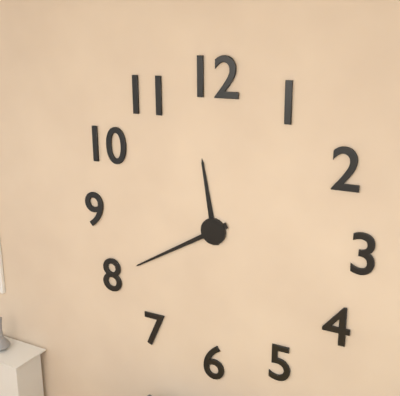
**11:40**
